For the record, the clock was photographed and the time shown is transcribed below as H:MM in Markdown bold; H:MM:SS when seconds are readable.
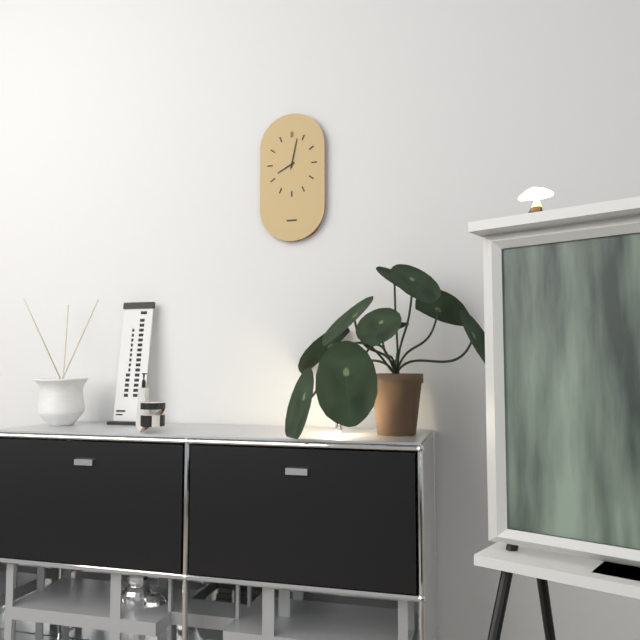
**8:02**
